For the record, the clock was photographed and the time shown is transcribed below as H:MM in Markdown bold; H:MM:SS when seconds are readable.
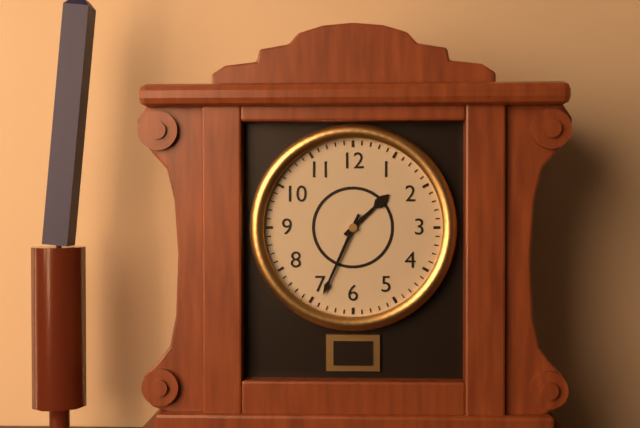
**1:34**
